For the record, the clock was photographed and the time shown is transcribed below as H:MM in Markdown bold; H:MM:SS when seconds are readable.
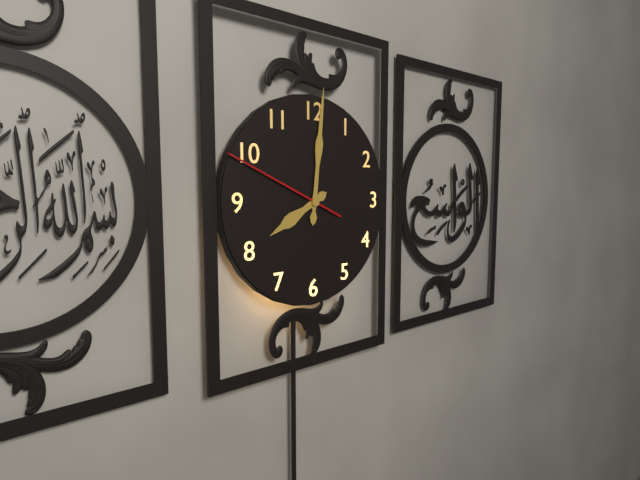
**8:01:49**
